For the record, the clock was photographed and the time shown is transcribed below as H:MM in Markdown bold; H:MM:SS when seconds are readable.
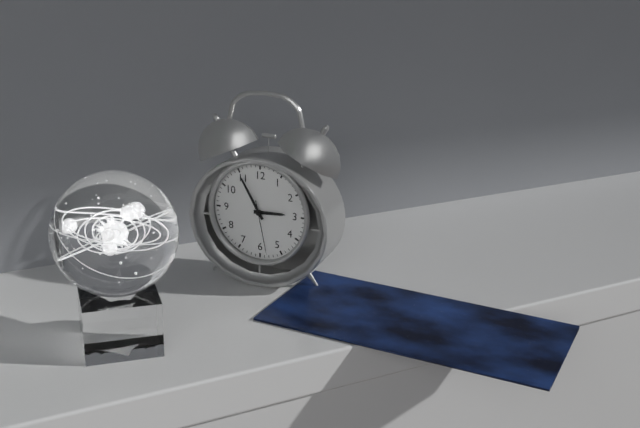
**2:55:28**
